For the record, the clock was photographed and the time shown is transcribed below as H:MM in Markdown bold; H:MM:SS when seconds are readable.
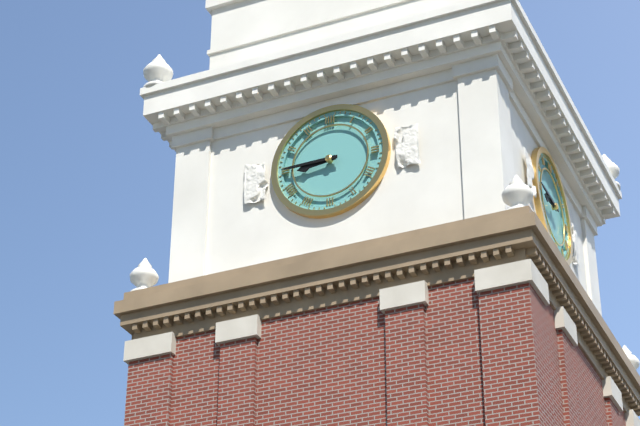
**8:45**
